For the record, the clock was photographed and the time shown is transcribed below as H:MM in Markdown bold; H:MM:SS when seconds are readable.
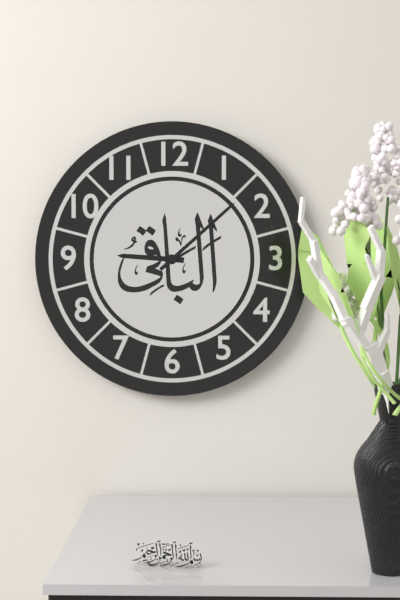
**9:08**
